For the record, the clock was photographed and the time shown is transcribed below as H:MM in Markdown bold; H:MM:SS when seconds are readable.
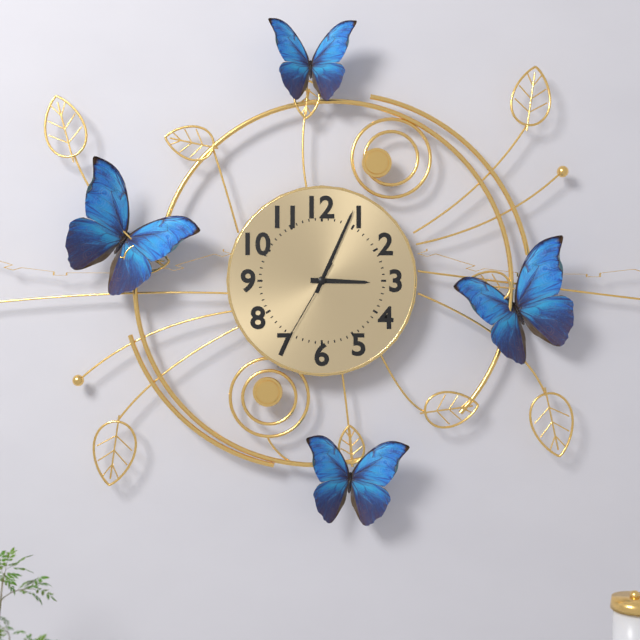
**3:04:35**
